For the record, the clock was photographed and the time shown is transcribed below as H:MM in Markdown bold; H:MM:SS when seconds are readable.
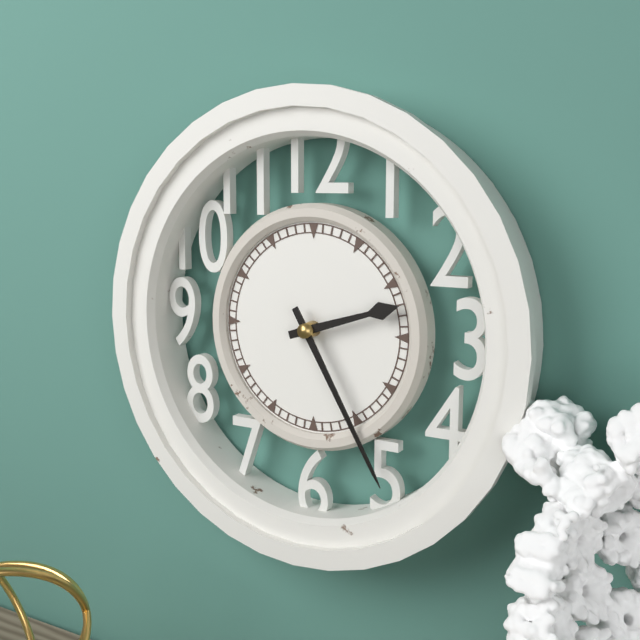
**2:25**
